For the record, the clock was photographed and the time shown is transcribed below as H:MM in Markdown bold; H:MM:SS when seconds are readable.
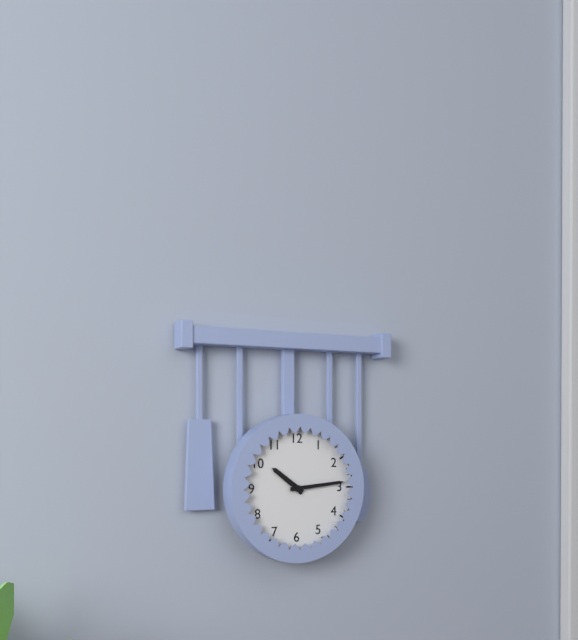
**10:14**
